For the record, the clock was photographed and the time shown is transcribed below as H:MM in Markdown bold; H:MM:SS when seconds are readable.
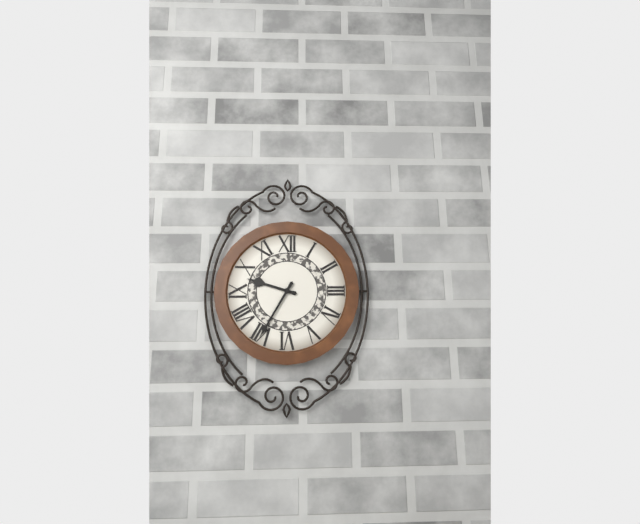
**9:35**
